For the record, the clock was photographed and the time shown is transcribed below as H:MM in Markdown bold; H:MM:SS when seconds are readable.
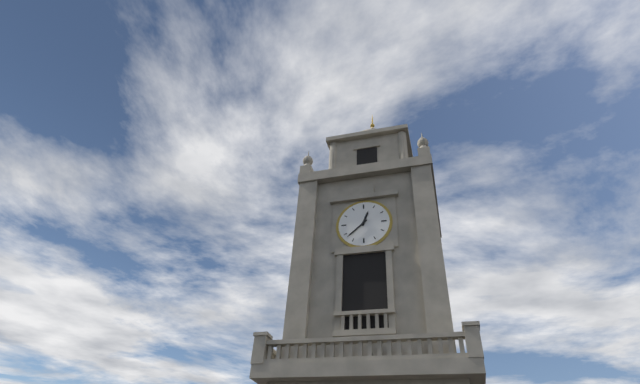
**12:38**
